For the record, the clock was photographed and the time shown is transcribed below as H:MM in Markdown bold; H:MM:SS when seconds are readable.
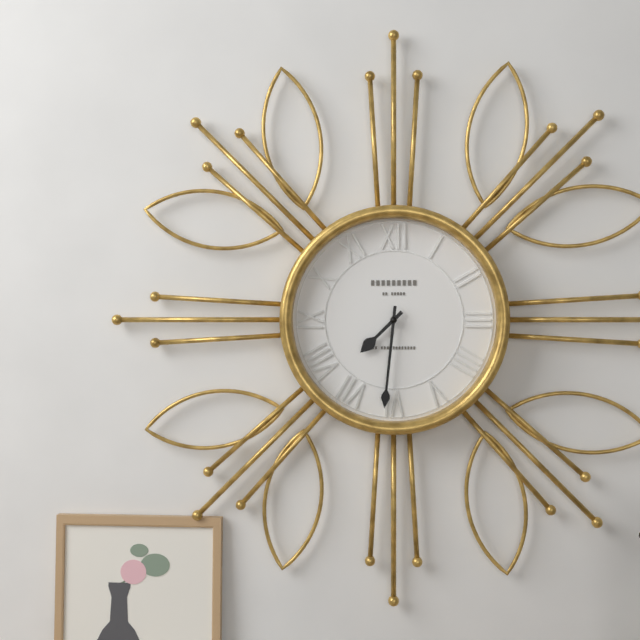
**7:31**
